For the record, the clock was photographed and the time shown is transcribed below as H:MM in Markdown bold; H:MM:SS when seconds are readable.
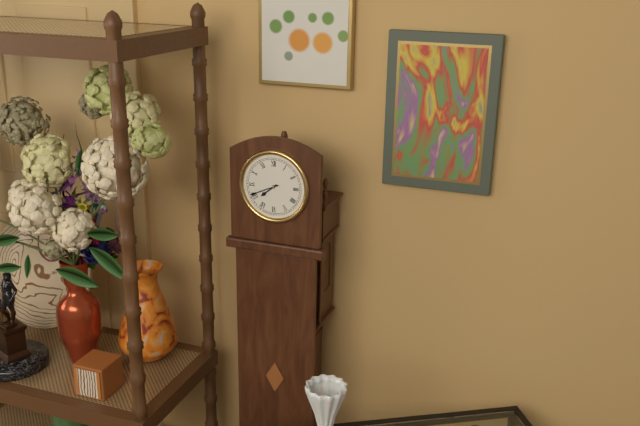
**7:41**
